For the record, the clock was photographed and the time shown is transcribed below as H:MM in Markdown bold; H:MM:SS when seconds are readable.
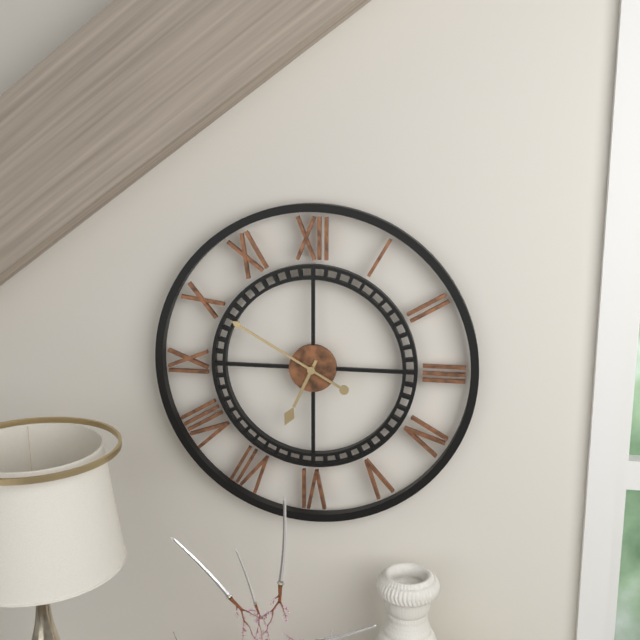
**6:50**
